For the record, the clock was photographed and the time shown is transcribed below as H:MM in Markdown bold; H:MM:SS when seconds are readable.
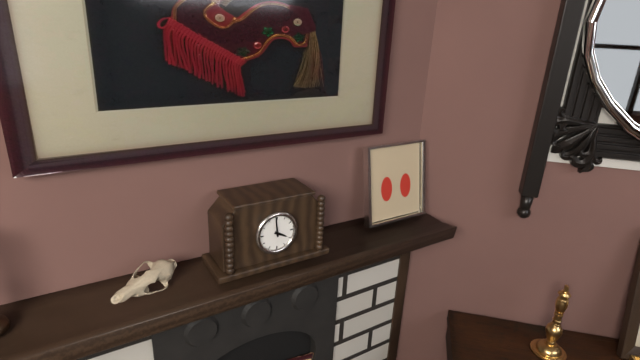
**3:59**
